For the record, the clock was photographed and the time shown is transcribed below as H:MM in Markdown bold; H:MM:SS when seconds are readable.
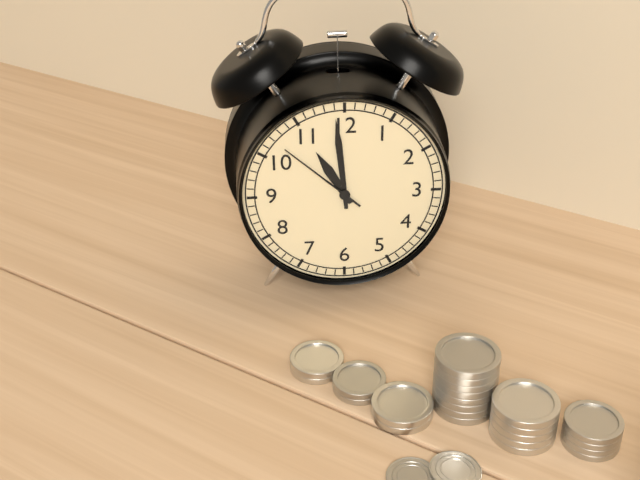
**10:59:52**
